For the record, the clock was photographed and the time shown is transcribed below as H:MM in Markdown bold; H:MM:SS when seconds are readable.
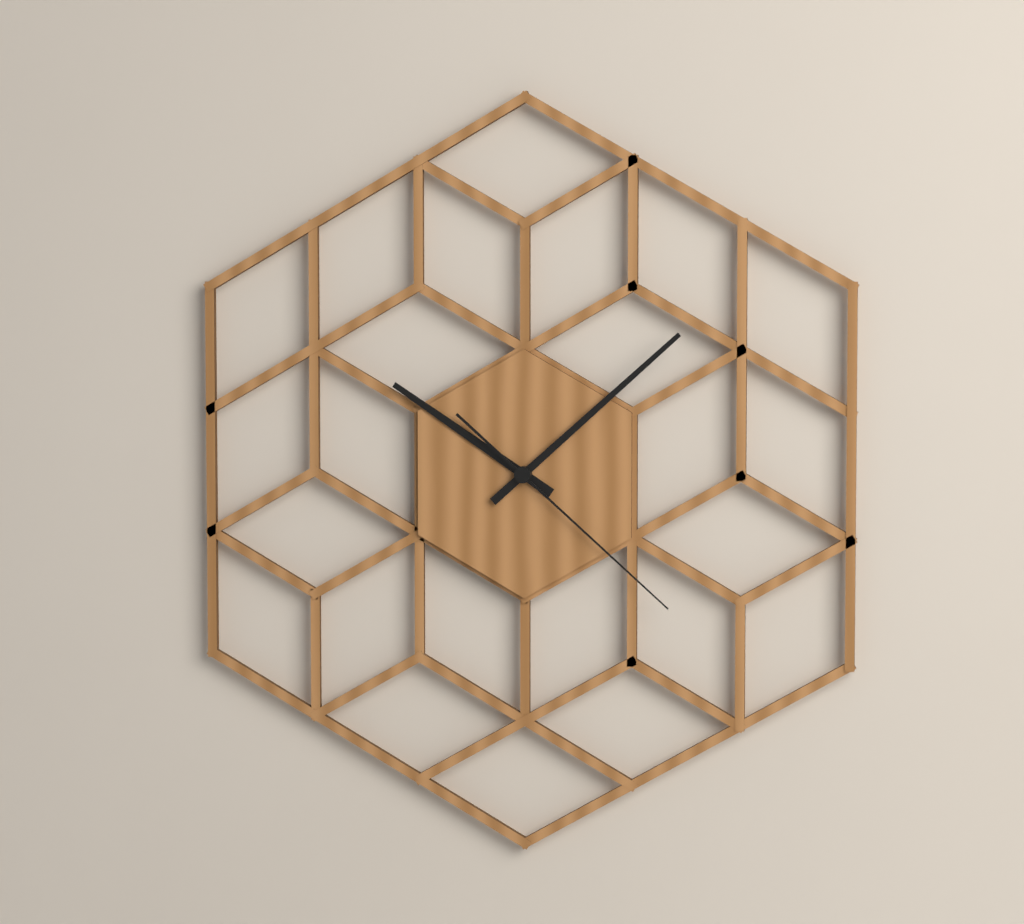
**10:08:22**
